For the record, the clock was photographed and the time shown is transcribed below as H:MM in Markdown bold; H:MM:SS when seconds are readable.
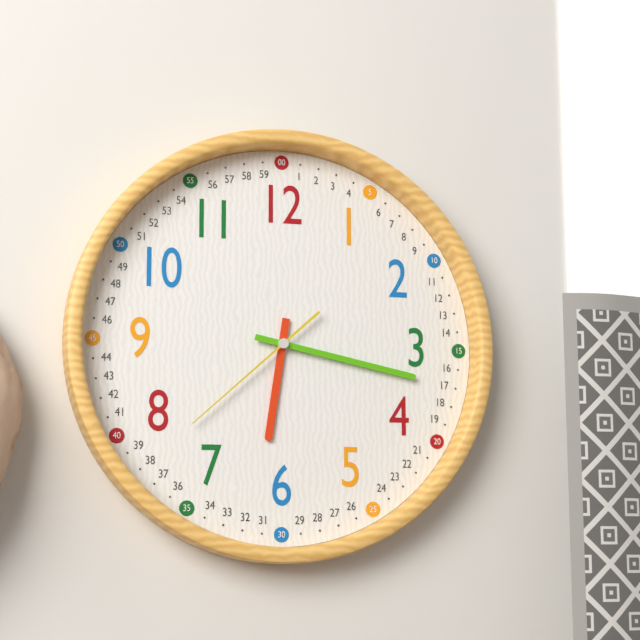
**6:17:38**
